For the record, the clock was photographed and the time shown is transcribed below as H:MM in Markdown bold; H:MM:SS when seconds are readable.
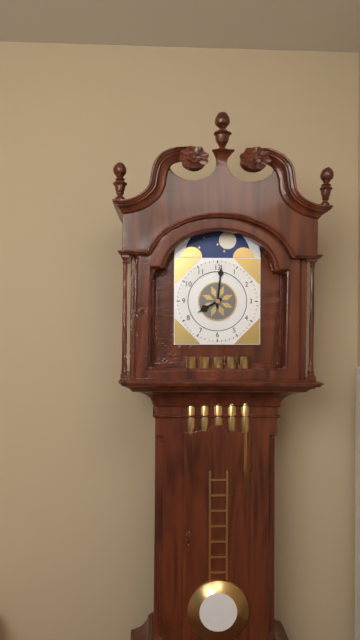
**8:01**
